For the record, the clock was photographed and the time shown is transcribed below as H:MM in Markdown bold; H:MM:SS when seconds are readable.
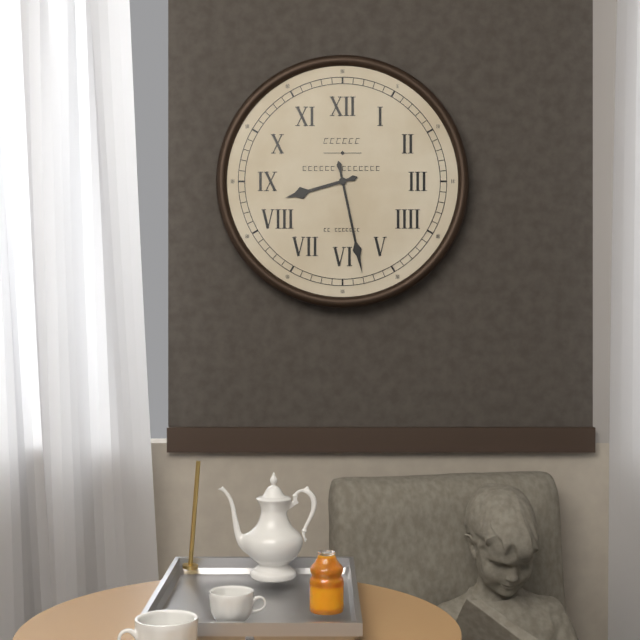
**8:28**
